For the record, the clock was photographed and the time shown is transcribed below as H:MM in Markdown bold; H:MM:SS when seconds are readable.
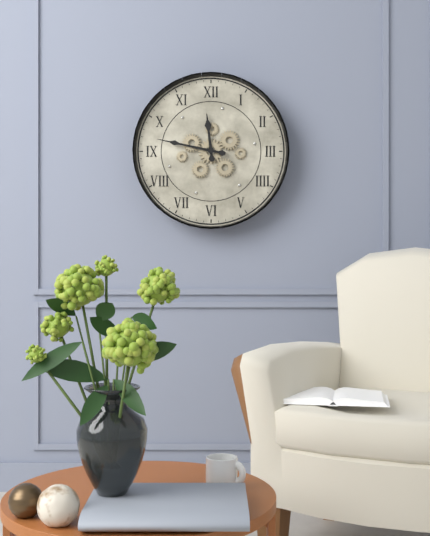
**11:47**
